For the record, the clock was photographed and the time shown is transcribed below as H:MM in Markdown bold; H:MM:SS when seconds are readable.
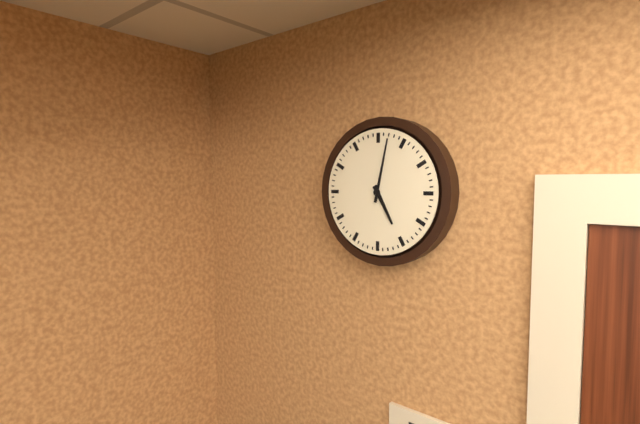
**5:02**
